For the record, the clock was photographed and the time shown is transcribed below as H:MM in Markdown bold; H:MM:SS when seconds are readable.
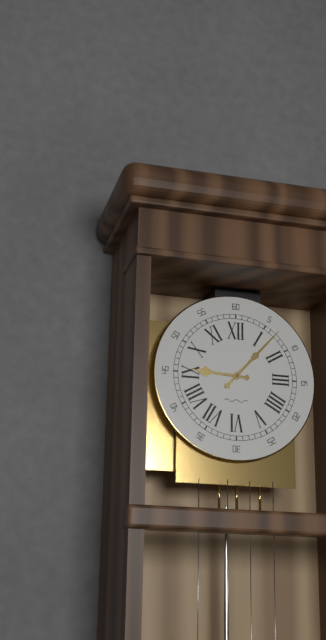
**9:07**
